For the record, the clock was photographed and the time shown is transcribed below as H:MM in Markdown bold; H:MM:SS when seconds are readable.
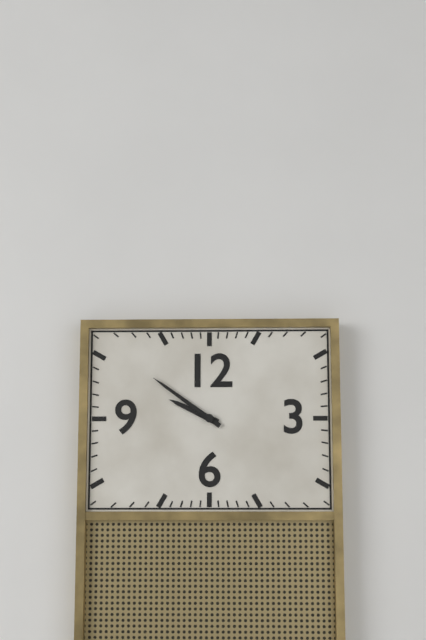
**9:51**
